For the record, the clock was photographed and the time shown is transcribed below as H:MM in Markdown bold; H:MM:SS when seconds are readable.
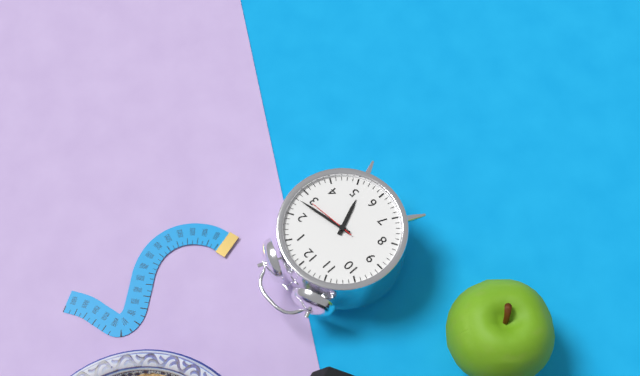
**5:13**
